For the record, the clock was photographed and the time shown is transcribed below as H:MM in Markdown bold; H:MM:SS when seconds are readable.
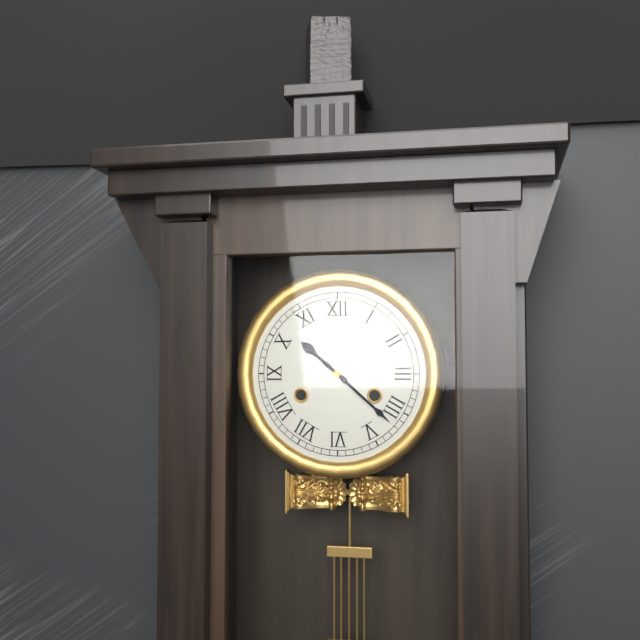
**10:22**
